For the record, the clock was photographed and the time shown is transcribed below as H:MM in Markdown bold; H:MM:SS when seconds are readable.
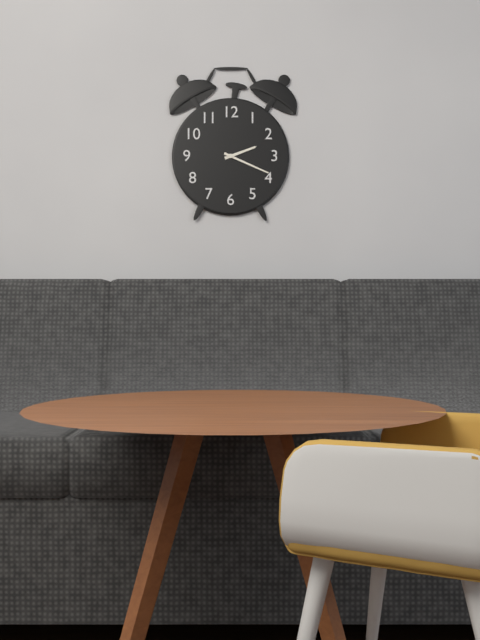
**2:19**
